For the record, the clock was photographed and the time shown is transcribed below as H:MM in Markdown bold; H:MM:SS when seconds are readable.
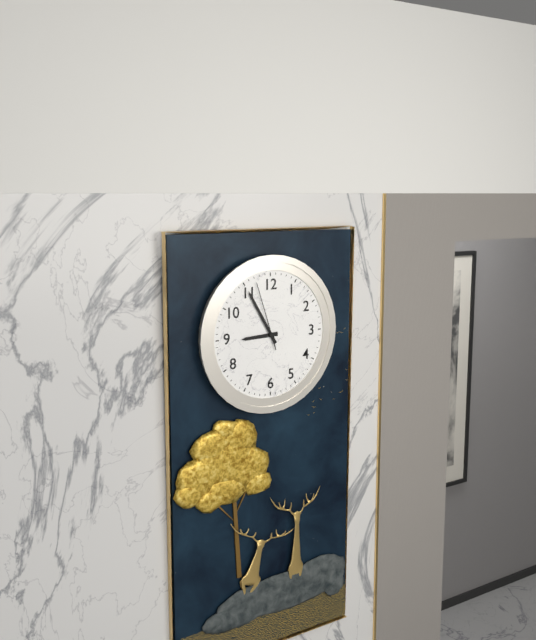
**8:55:57**
